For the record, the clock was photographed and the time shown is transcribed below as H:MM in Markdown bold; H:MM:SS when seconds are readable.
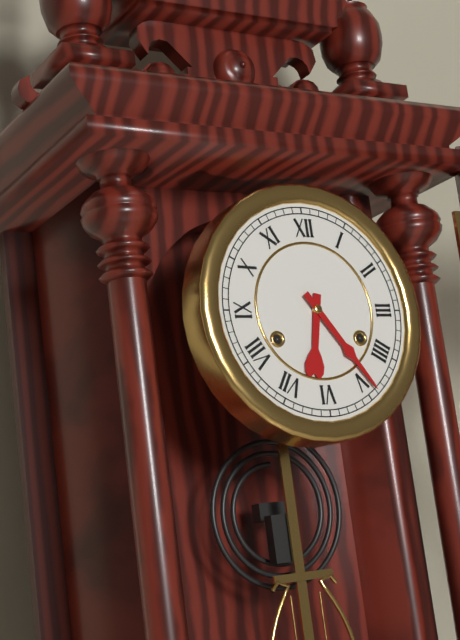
**6:24**
